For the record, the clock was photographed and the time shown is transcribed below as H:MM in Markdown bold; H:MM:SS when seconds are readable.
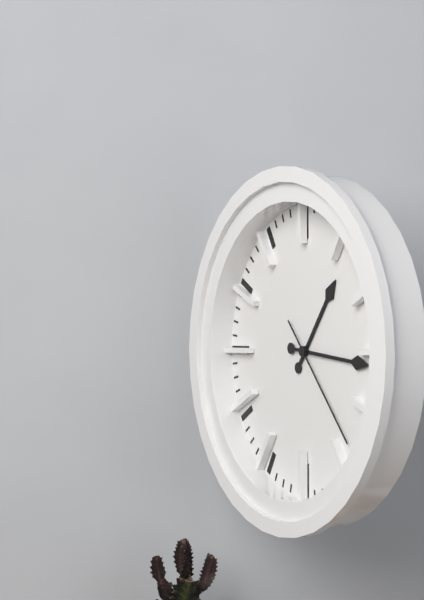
**1:16:23**
